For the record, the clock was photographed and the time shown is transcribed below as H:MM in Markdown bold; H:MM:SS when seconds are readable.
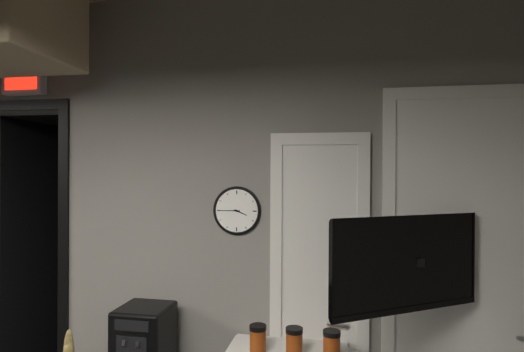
**3:45**
